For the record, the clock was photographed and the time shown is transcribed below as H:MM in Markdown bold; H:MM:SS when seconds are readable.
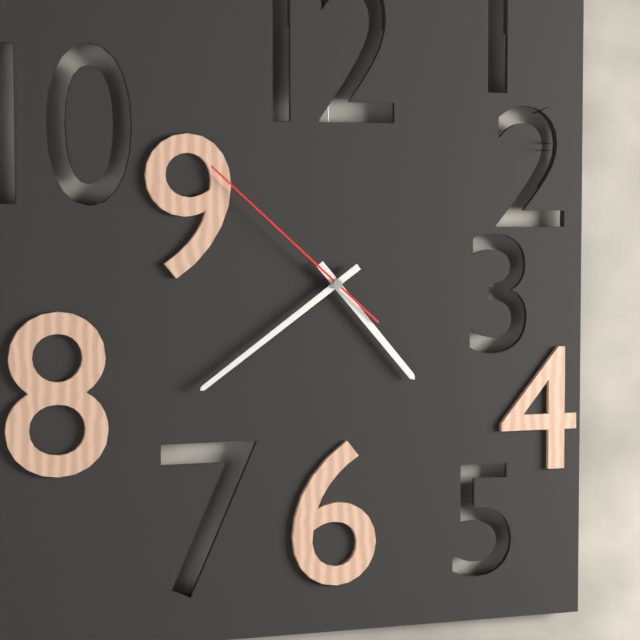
**4:39:52**
